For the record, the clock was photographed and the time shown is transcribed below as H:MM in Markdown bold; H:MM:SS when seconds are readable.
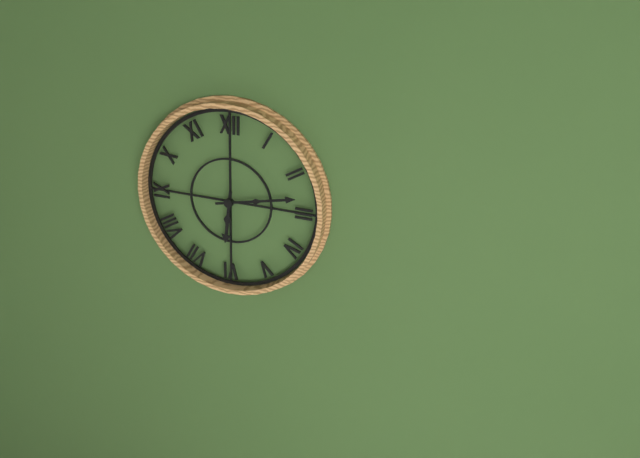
**6:13**
